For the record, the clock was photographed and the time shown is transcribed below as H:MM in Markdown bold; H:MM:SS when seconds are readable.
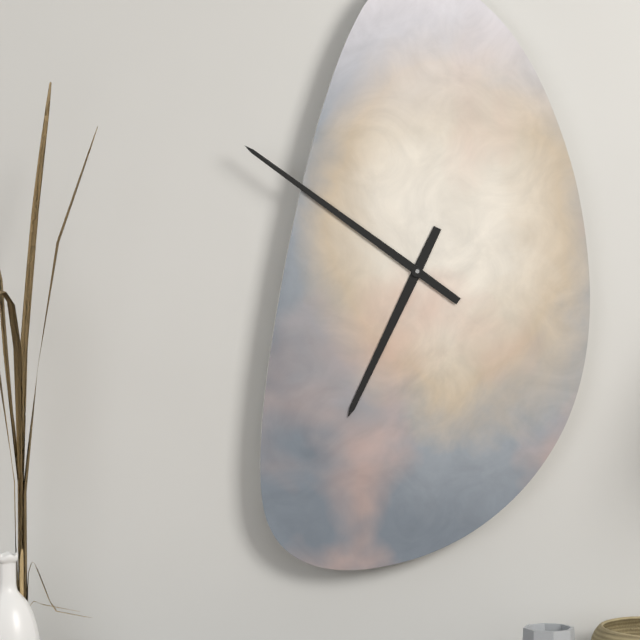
**6:51**
